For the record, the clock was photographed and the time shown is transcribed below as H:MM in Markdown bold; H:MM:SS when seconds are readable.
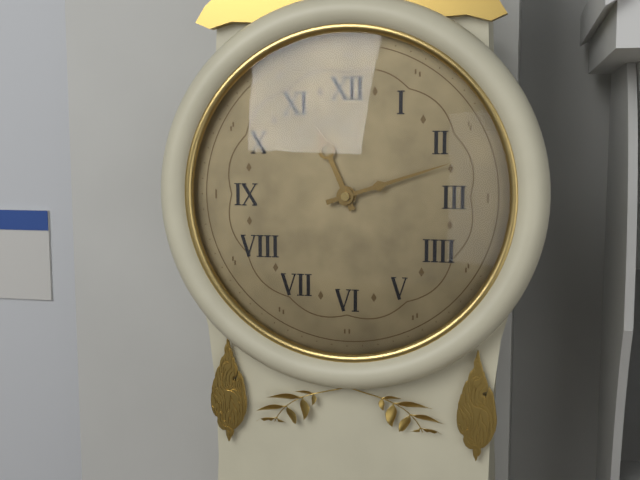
**11:12**
